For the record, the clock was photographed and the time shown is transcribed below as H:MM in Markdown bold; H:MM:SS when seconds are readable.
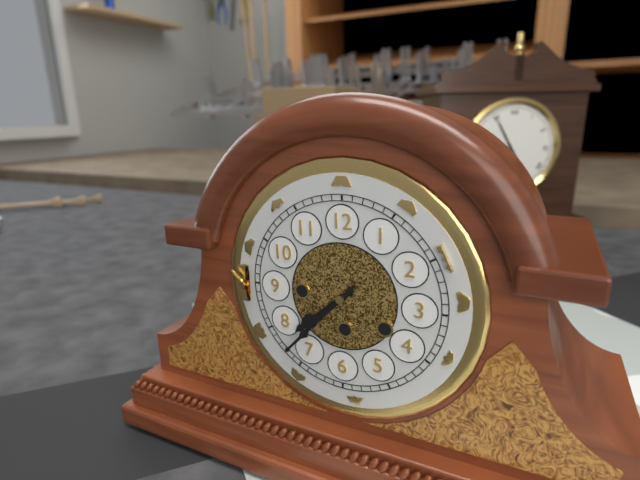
**7:37**
